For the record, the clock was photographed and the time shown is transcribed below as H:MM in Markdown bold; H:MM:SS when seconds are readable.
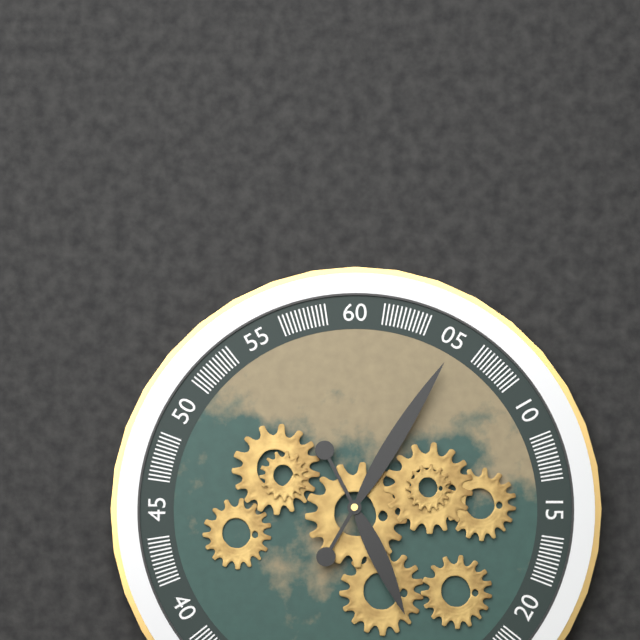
**5:05**
